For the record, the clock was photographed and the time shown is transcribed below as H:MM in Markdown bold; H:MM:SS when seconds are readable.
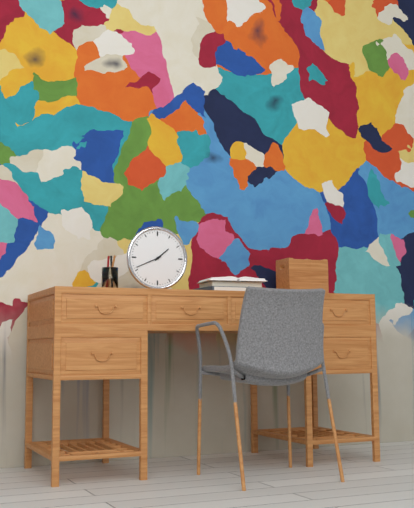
**1:41**
